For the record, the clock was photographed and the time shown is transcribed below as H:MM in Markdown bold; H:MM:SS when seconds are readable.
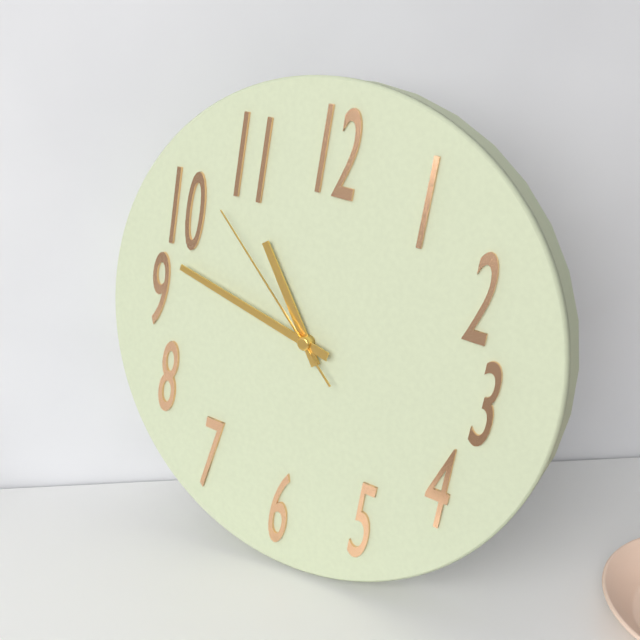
**10:47:52**
